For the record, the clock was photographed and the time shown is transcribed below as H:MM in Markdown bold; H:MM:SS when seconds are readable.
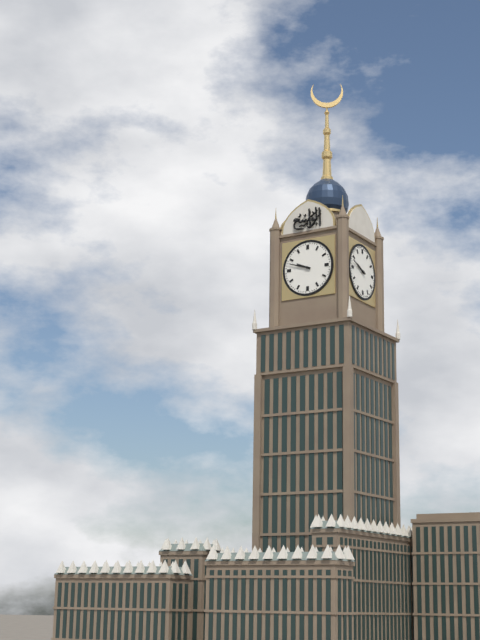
**9:48**
